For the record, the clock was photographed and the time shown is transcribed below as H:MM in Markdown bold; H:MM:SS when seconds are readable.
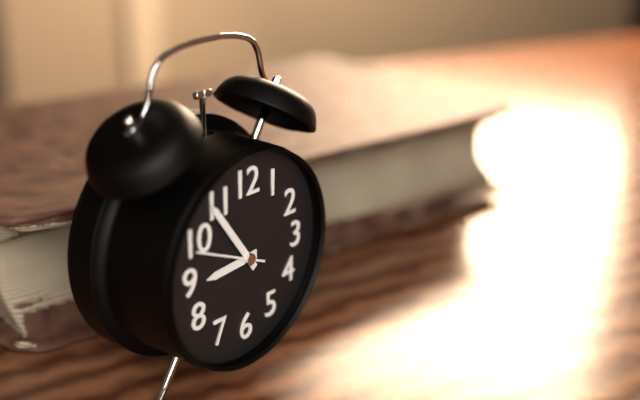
**8:54:49**
